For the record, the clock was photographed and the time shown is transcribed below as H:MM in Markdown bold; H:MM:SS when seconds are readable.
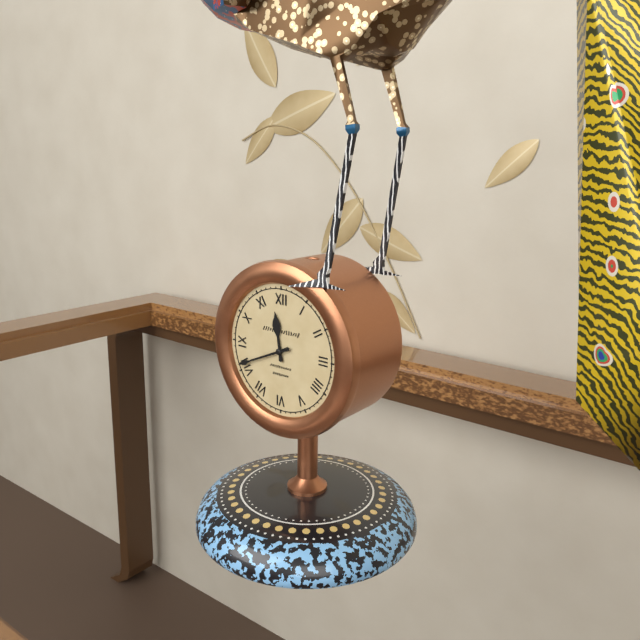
**11:41**
